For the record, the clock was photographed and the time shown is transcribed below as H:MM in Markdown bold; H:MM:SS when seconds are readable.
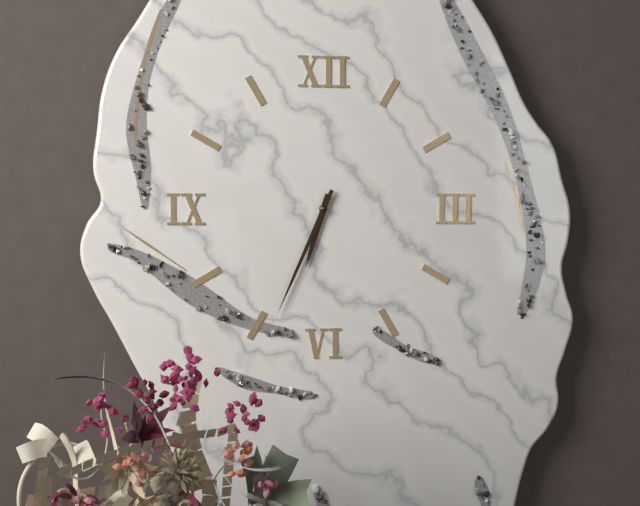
**6:34**
